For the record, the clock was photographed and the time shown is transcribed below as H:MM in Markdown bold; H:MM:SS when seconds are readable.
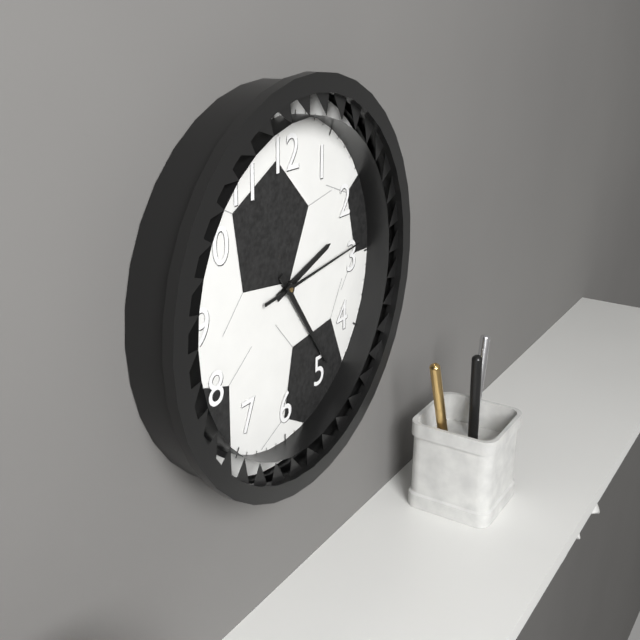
**2:24:14**
